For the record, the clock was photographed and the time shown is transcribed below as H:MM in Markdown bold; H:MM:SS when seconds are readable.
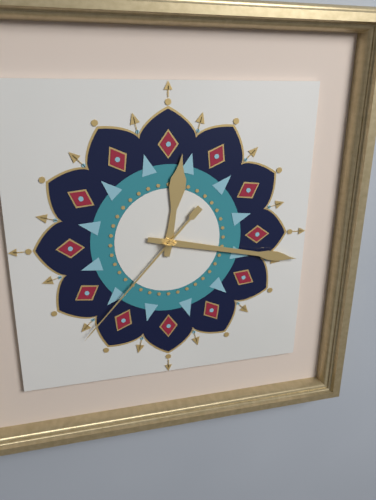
**12:17:37**
